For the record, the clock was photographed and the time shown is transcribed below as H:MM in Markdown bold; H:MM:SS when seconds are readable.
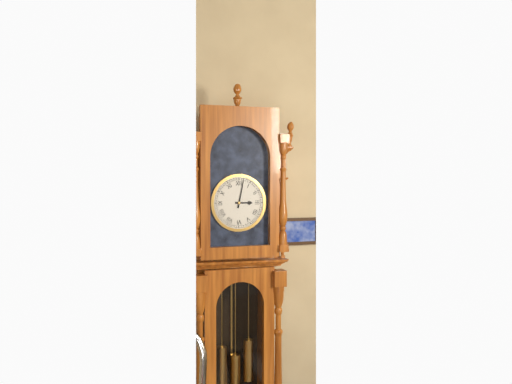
**3:02**
